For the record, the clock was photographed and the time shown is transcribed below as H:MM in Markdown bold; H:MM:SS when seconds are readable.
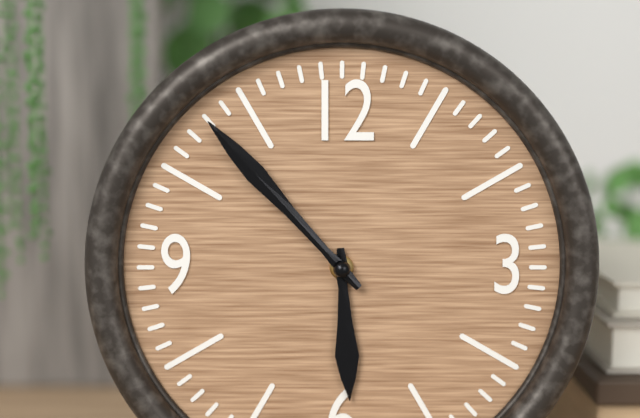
**5:53**
